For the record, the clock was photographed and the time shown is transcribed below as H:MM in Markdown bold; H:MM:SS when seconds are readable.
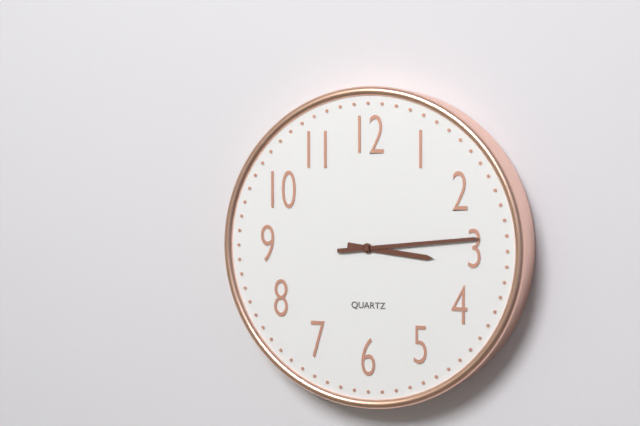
**3:14**
